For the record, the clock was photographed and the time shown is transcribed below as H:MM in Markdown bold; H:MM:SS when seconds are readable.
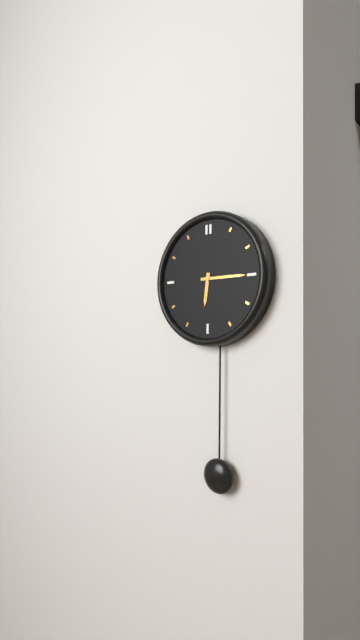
**6:15**
